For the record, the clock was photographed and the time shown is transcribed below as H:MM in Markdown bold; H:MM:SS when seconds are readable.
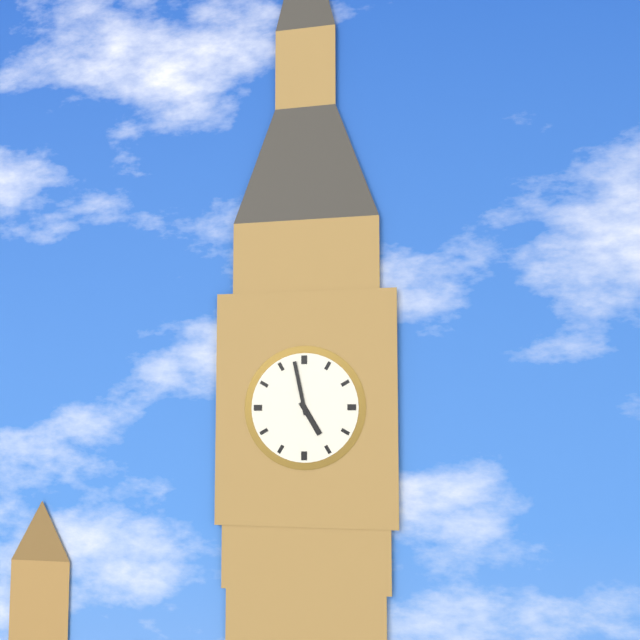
**4:58**
